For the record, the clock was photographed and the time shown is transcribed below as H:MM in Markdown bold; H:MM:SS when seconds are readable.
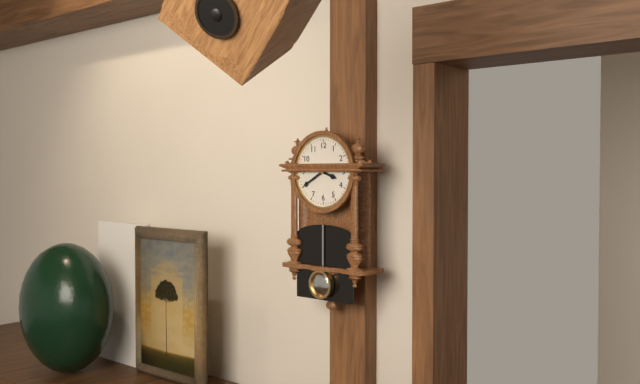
**3:40**
